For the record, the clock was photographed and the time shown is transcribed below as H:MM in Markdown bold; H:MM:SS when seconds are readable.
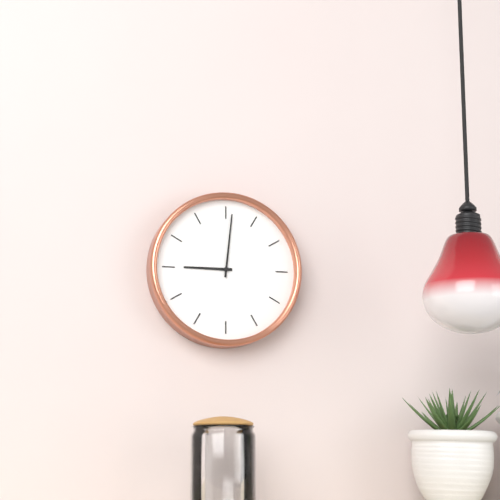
**9:01**
